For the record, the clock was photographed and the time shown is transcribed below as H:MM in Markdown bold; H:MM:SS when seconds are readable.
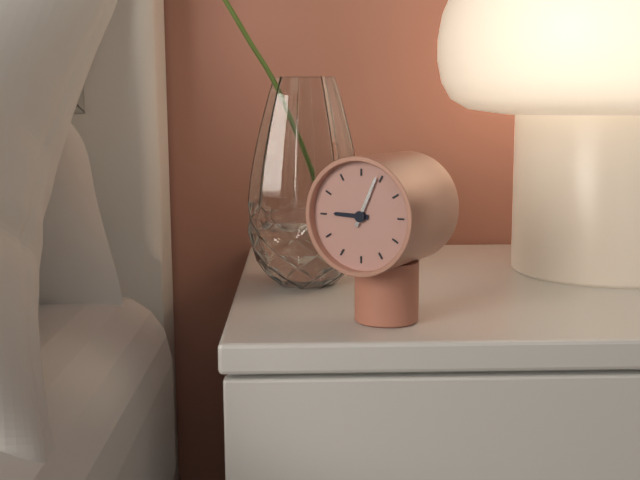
**9:04**
